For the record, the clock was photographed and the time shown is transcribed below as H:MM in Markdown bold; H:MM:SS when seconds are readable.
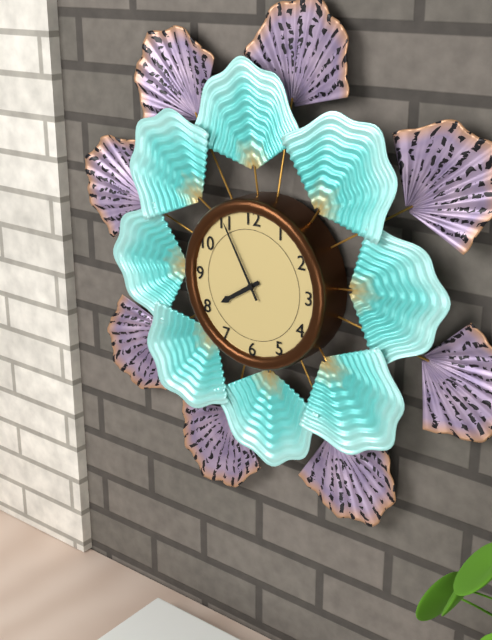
**7:55**
